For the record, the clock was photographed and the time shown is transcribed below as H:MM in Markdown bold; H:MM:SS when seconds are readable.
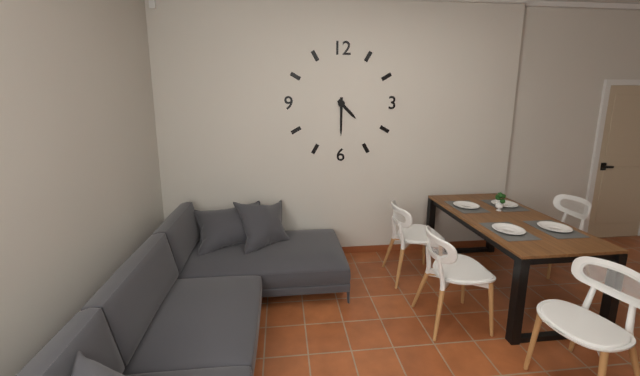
**4:30**
